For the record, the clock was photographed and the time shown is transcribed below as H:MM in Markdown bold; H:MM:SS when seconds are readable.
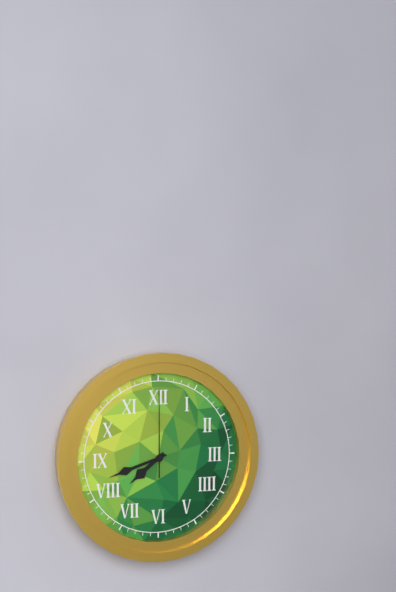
**7:42:00**
